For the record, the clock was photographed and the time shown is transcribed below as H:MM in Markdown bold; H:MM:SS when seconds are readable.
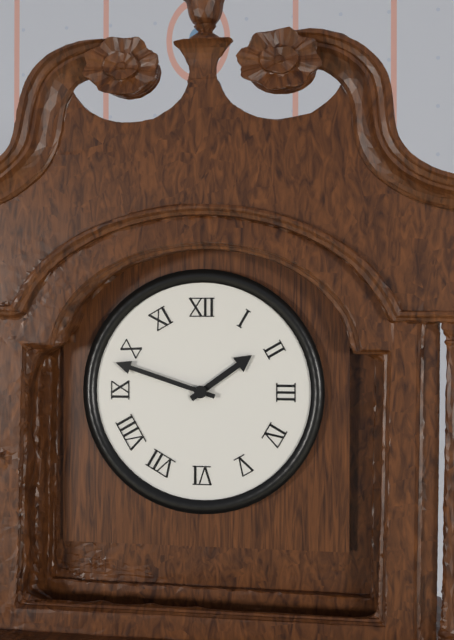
**1:48**
